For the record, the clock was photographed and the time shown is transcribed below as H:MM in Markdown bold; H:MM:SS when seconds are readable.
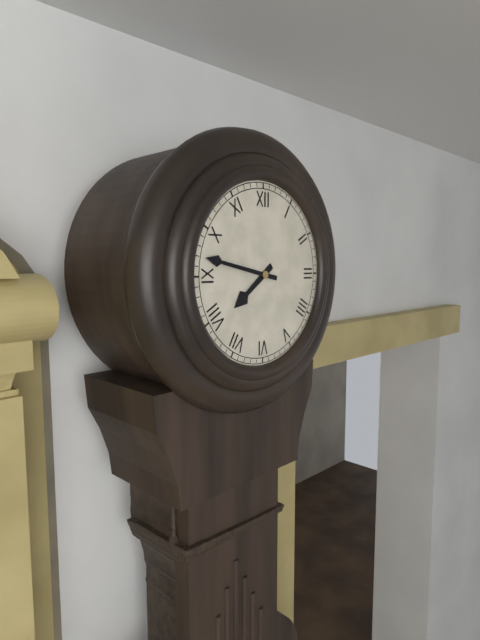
**7:47**
